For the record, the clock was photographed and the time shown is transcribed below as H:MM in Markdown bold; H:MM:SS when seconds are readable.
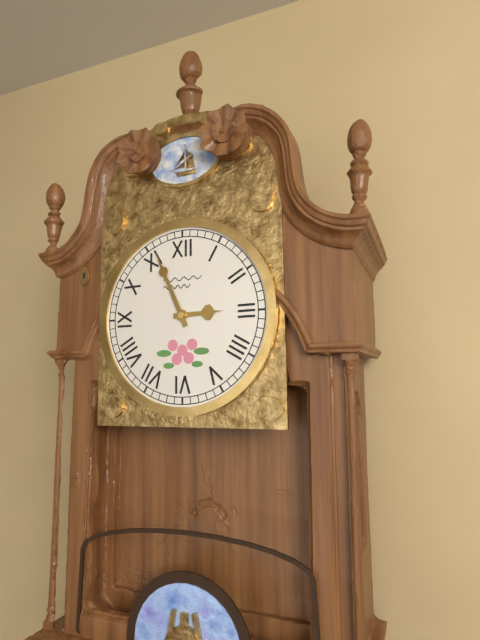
**2:56**
